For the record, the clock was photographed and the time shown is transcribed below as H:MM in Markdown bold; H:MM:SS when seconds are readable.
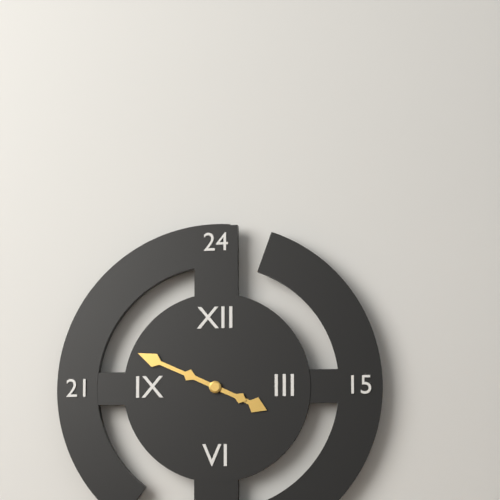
**3:49**
